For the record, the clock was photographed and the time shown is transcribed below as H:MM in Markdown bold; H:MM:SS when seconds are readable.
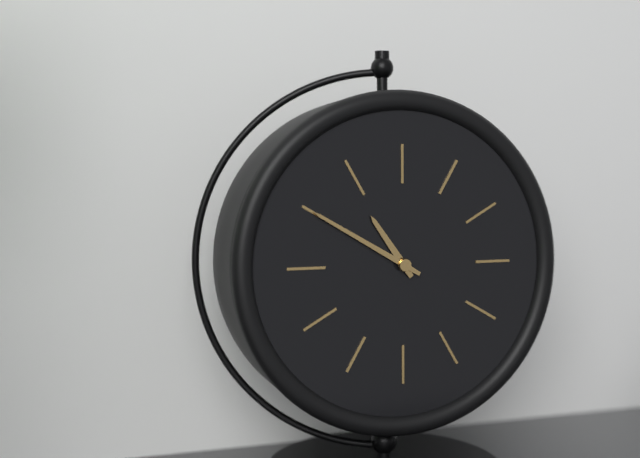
**10:50**
